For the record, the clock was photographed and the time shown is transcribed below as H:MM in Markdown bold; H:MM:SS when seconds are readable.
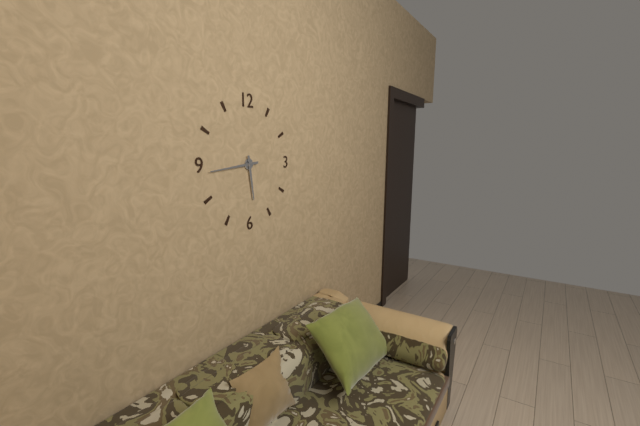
**5:44**
